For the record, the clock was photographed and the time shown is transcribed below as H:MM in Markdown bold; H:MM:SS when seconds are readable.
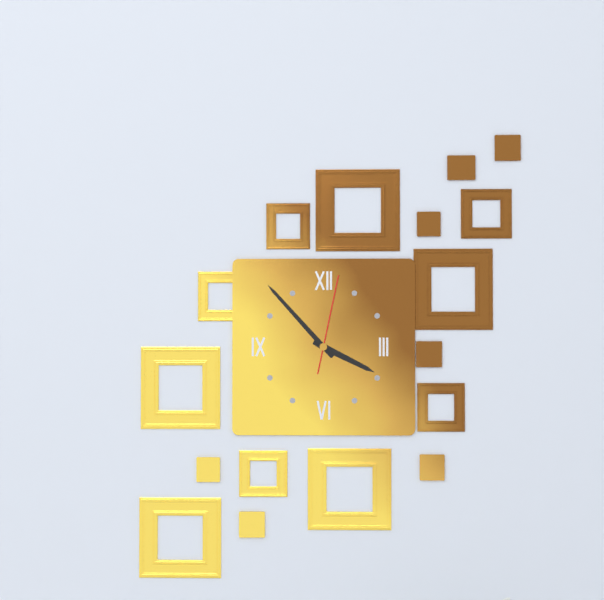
**3:53:02**
